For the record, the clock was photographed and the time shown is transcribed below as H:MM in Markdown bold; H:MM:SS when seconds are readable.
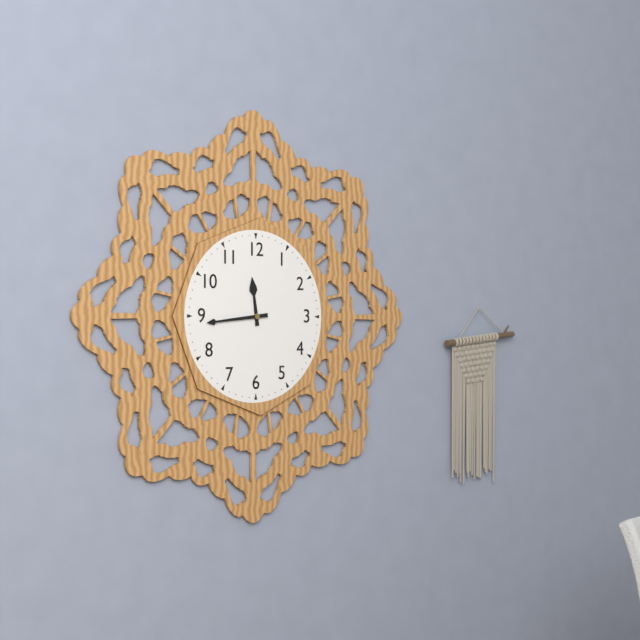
**11:44**
